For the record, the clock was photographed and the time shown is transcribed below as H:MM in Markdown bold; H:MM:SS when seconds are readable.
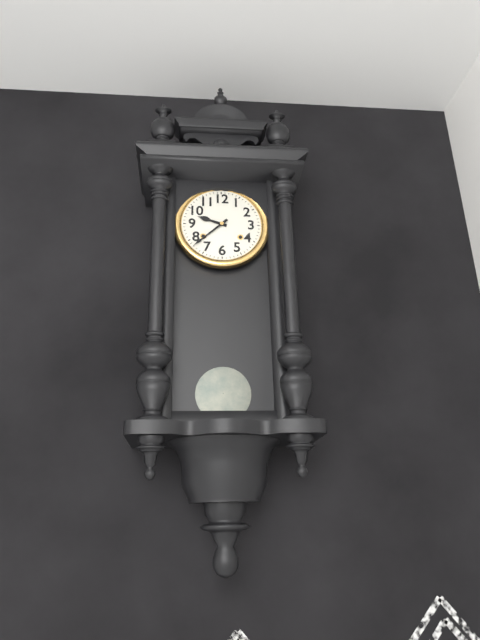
**9:38**
